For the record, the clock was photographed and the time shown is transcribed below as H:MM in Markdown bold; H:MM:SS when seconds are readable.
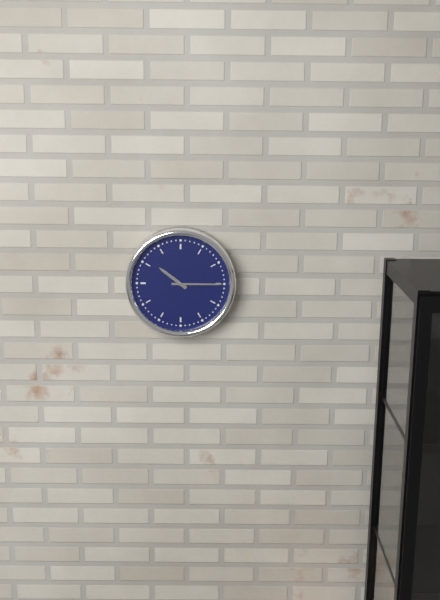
**10:15**
